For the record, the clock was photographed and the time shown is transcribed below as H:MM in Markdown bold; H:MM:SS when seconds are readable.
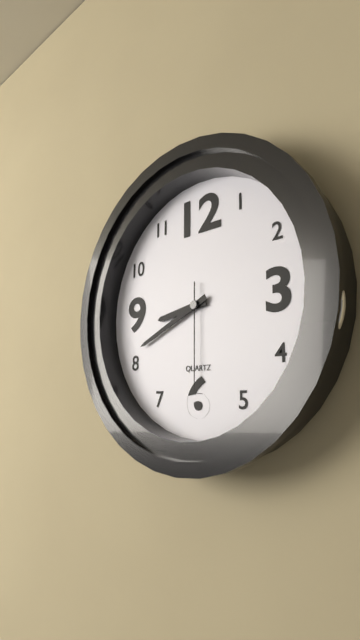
**8:41:30**
